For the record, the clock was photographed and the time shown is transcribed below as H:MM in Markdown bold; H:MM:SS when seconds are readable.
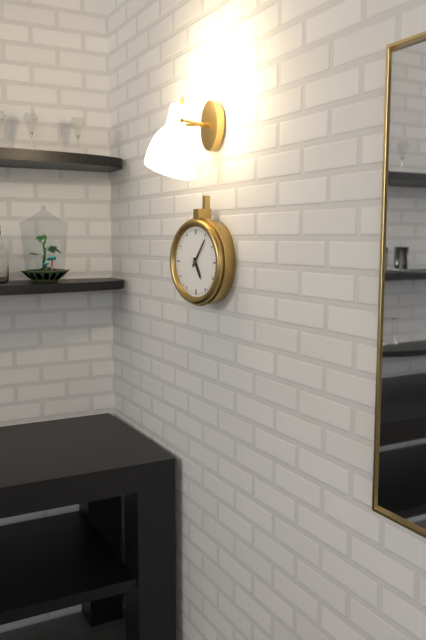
**5:06**
